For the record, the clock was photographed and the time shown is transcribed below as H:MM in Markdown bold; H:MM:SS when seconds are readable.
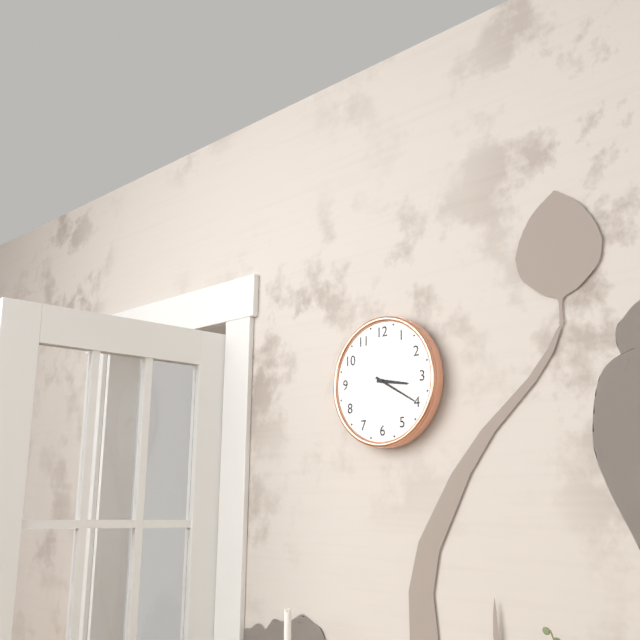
**3:20**
